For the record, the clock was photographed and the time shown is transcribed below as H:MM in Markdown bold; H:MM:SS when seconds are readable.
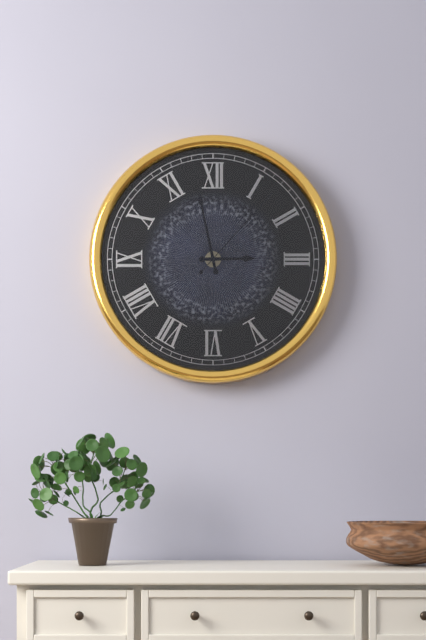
**2:58:07**
